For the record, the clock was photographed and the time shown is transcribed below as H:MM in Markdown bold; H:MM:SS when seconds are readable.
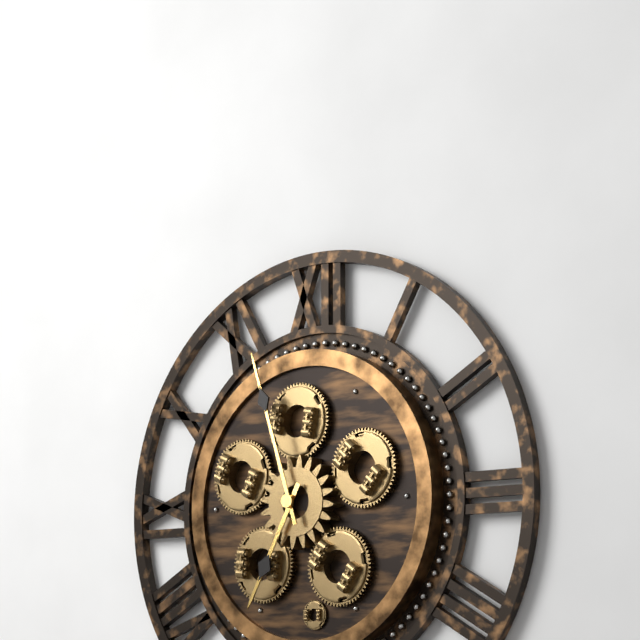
**6:57**
